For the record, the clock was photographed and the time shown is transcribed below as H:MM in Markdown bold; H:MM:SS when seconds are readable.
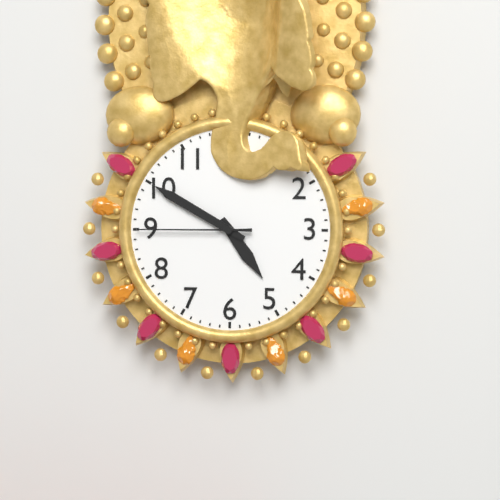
**4:50:45**
